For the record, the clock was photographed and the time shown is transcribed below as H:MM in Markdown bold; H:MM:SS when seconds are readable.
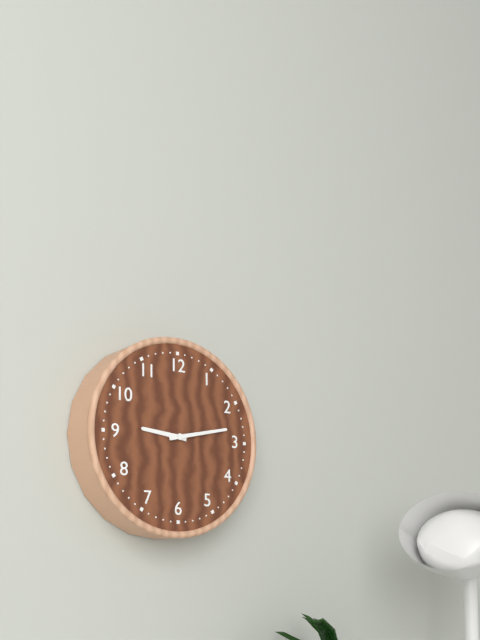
**9:13**
